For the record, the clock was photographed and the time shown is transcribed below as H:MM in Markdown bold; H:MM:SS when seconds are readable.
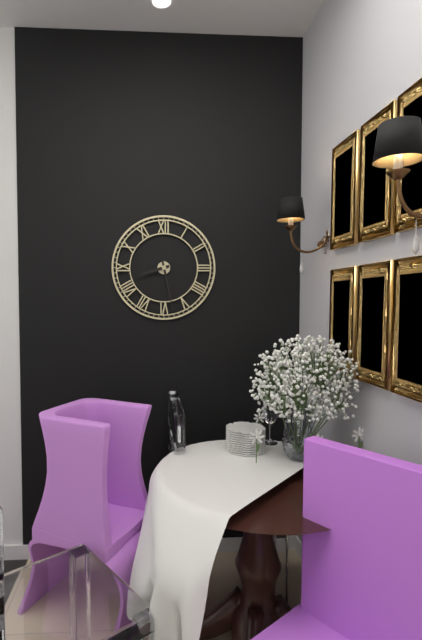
**8:28**
